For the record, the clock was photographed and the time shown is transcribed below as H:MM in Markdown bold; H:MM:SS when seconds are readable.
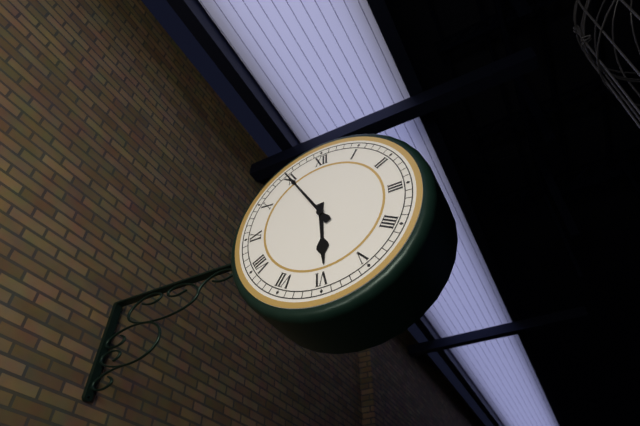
**5:55**
